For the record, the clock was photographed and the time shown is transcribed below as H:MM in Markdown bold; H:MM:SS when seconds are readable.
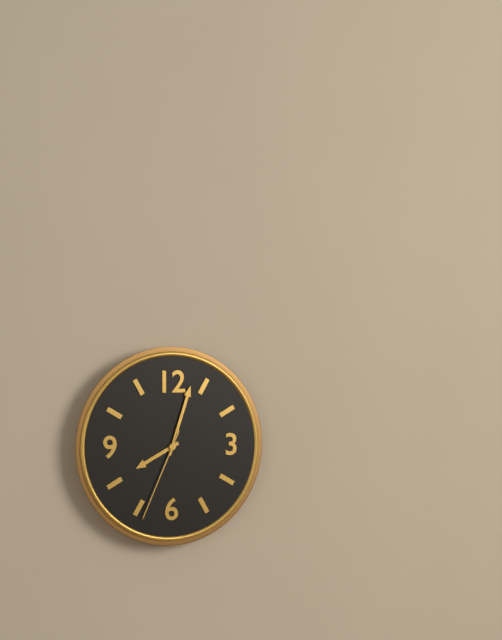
**8:03:34**
